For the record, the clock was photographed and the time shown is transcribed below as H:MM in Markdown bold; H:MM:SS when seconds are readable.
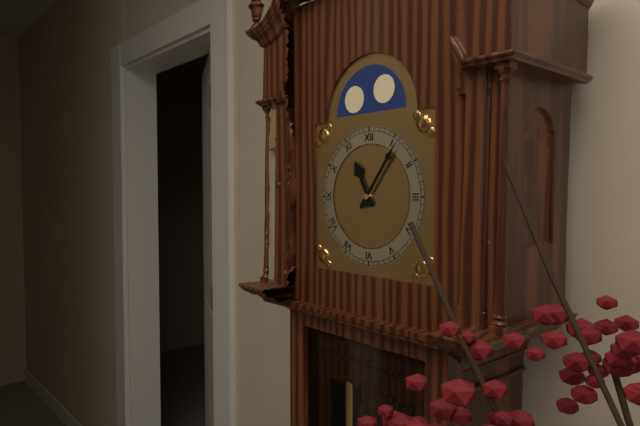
**11:06**
